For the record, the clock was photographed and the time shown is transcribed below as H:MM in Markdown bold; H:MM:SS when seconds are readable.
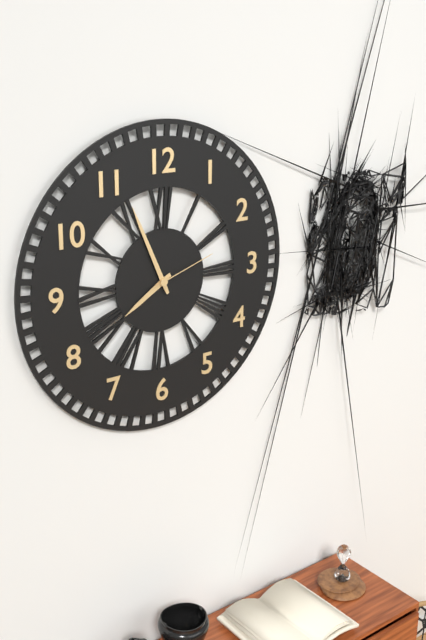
**7:56:12**
